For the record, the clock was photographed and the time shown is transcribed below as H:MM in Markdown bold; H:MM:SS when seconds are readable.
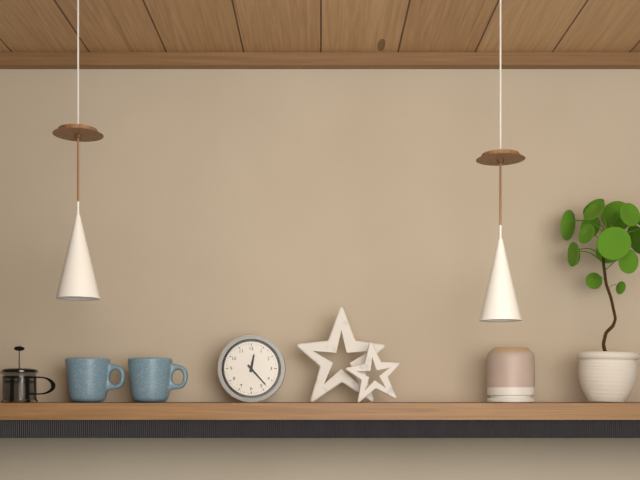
**12:23**
